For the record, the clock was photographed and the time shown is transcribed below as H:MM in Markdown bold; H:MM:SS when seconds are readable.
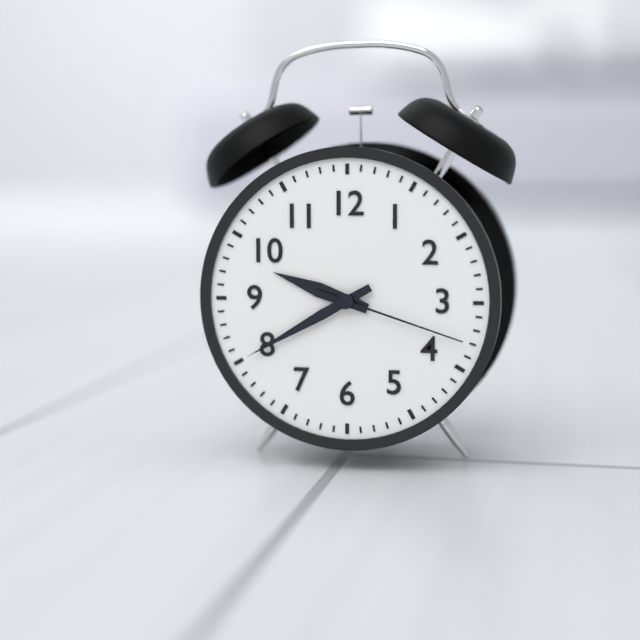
**9:40:18**
